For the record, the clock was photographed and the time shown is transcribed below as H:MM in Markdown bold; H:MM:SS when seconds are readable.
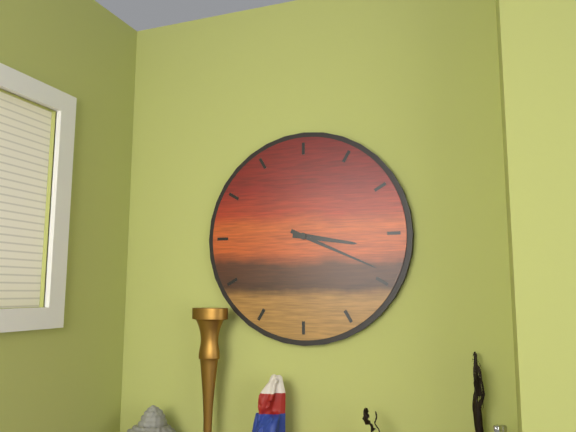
**3:19**
